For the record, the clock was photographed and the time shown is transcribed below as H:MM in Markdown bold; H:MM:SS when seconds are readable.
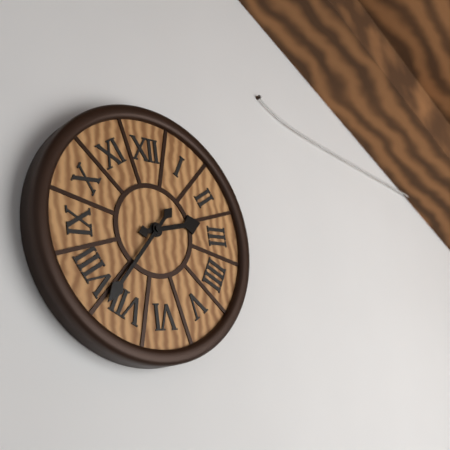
**2:37**
